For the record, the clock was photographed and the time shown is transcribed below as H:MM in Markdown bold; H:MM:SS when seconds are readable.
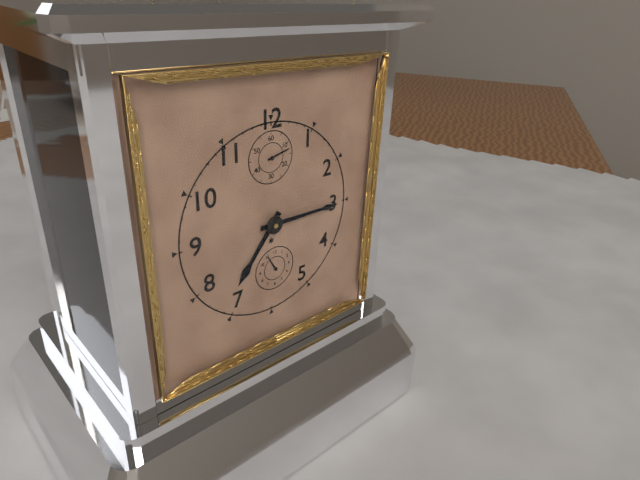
**7:15**
